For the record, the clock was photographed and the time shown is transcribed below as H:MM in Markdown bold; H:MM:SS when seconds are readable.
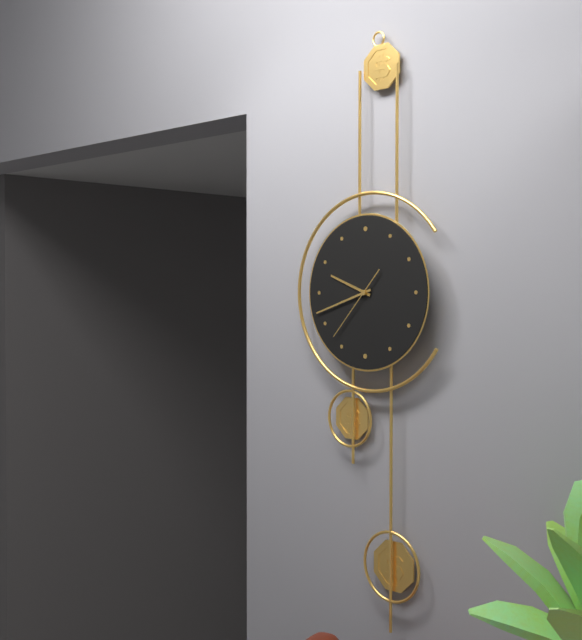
**9:42:37**
